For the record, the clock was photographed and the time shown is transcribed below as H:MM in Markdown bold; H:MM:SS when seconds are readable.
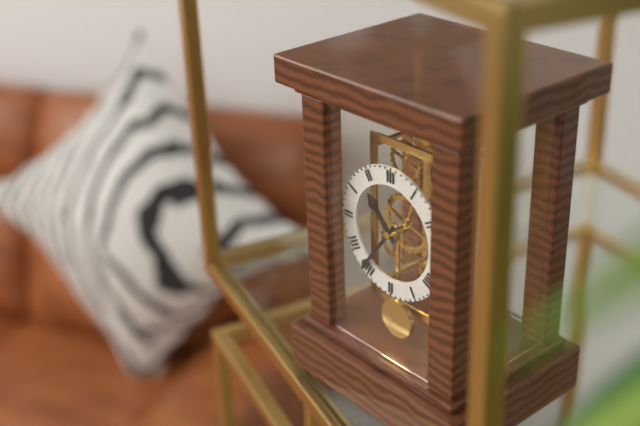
**10:36**
